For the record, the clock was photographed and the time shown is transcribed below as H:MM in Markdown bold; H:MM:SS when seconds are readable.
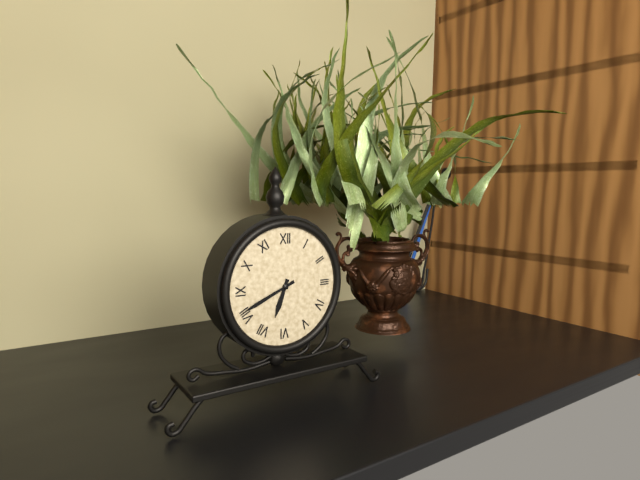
**6:41**
